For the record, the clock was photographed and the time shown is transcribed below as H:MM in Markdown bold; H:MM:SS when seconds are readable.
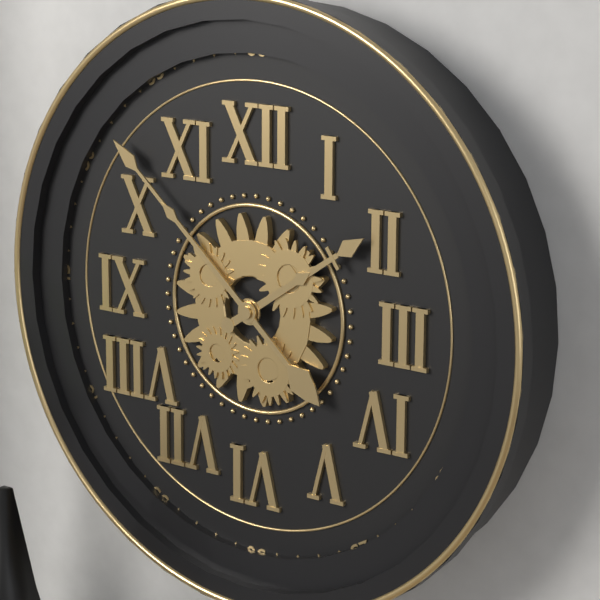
**1:52**
